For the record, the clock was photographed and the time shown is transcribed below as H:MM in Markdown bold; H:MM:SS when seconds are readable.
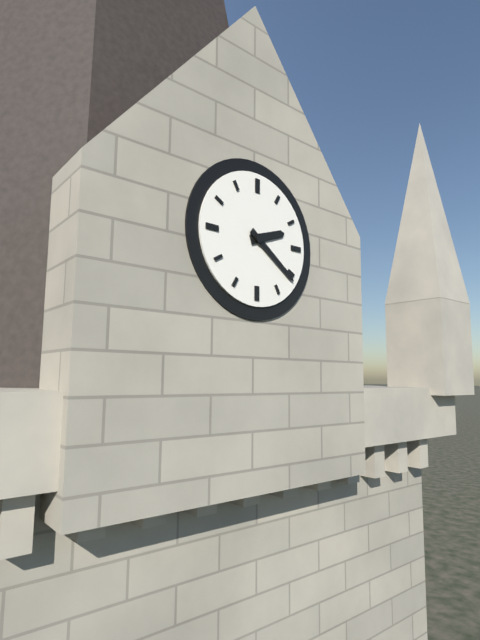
**2:21**
